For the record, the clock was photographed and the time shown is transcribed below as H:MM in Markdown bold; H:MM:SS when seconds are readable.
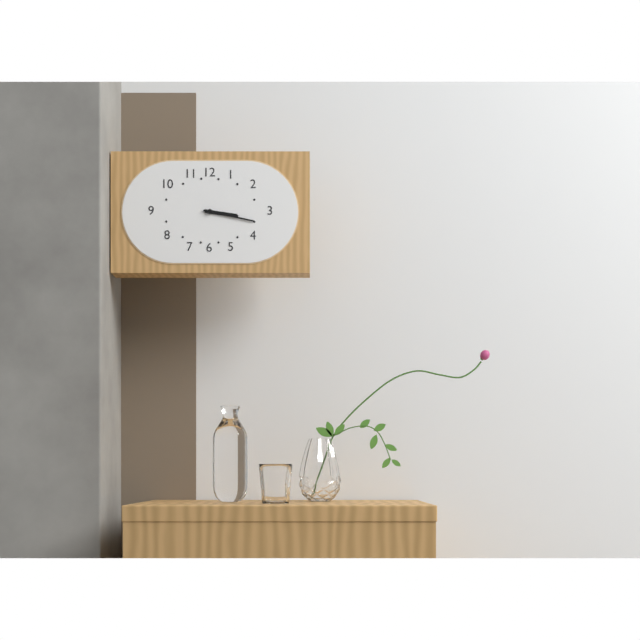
**3:17**
